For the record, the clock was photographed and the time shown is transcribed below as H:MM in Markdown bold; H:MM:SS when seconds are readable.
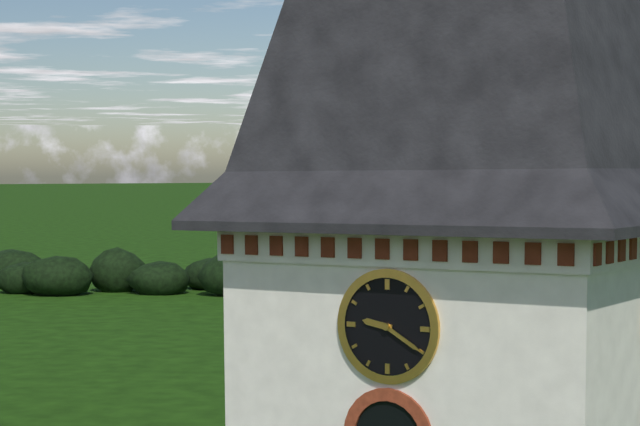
**9:20**
